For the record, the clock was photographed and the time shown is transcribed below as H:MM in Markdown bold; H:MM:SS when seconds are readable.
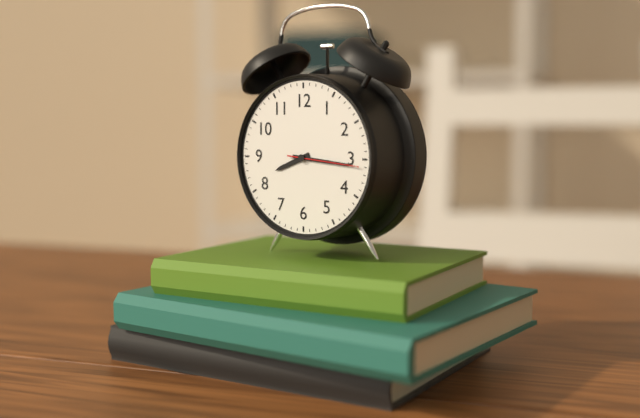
**8:16:16**
